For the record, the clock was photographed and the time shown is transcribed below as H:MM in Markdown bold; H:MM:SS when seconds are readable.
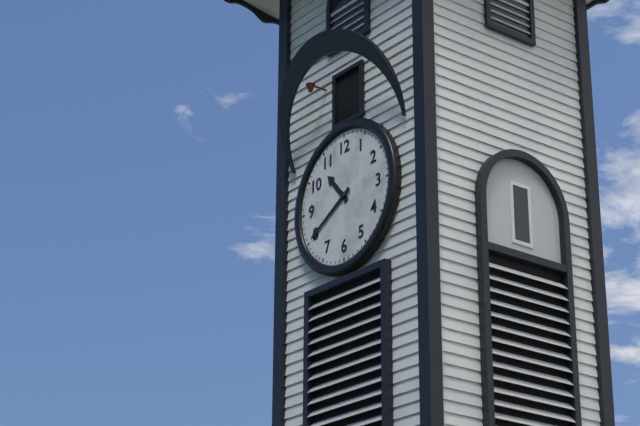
**10:40**
